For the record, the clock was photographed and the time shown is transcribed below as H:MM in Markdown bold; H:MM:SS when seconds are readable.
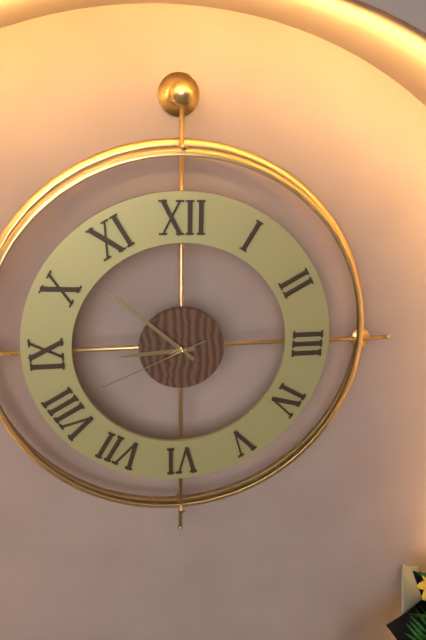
**8:52:41**
